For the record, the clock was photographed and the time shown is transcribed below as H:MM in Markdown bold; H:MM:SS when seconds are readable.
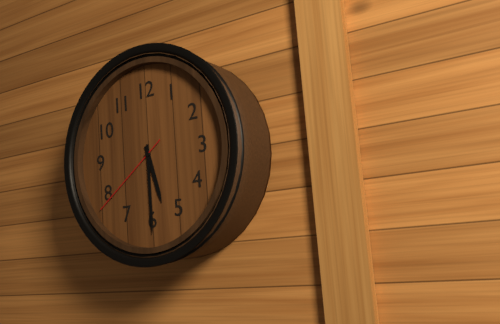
**5:30:39**
